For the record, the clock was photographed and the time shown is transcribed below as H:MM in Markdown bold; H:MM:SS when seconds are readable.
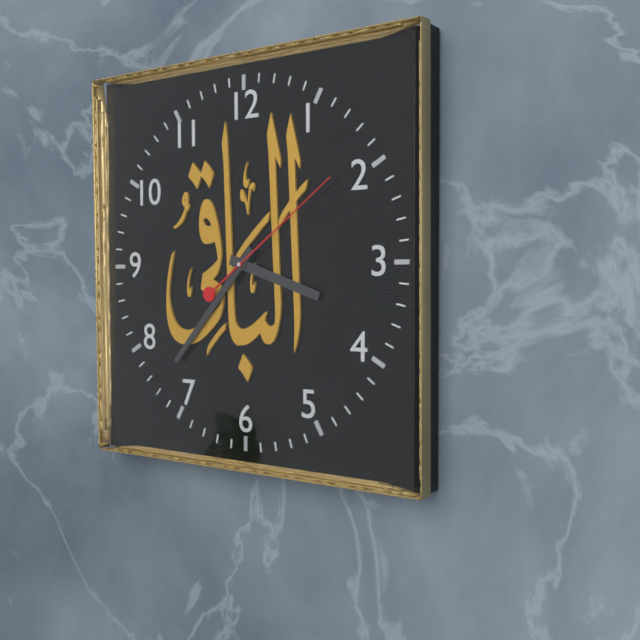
**3:37:09**
